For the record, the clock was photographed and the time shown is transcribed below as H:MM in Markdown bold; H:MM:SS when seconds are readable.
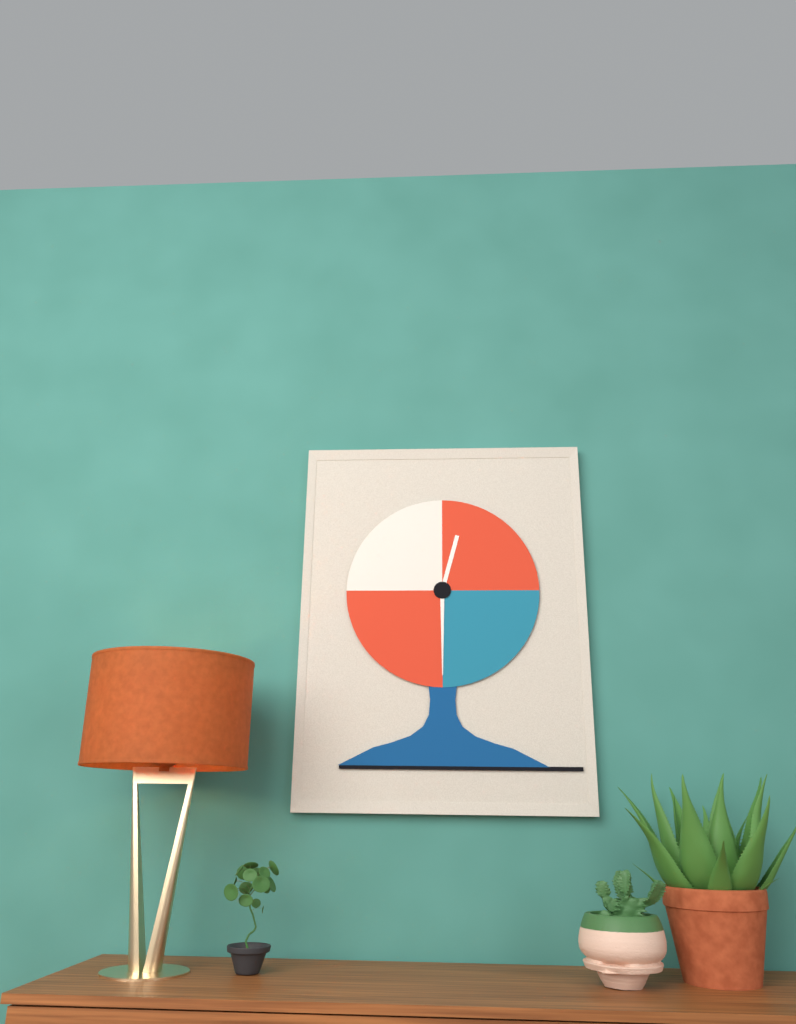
**12:30**
